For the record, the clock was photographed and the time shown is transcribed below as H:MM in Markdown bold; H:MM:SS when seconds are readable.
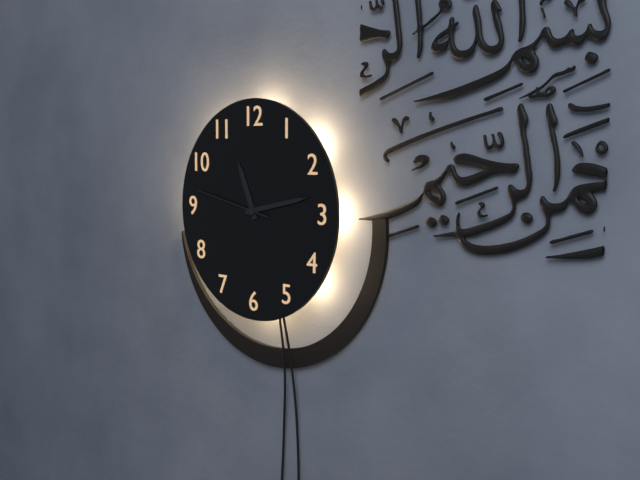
**11:13:47**
